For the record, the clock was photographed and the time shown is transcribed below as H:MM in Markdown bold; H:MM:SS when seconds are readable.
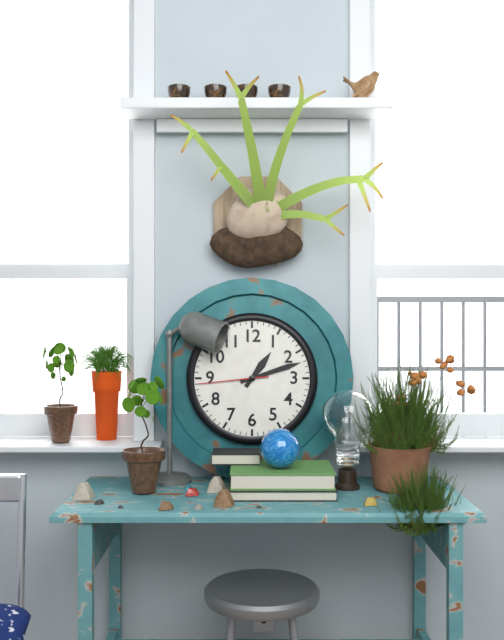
**1:12:44**
